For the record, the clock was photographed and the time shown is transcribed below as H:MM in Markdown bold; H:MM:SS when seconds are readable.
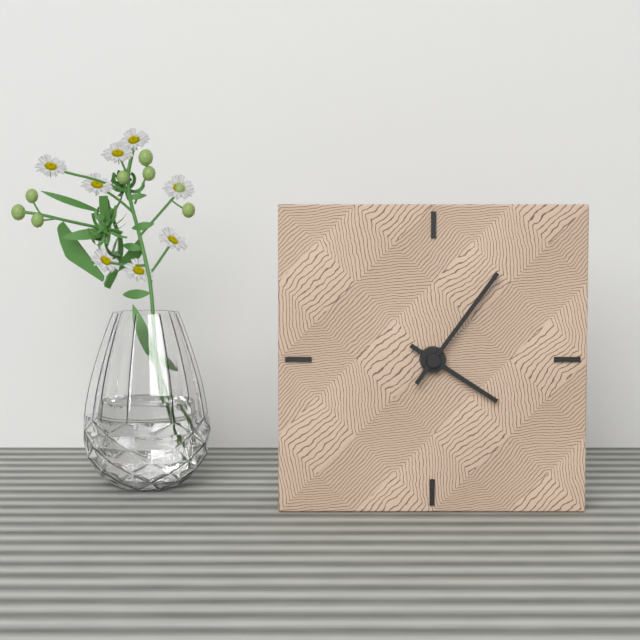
**4:06**
